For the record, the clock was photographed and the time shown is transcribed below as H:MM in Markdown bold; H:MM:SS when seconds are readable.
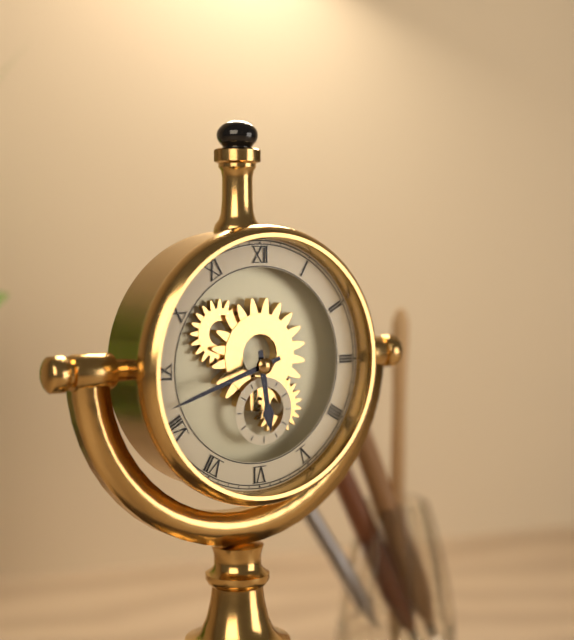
**5:42**
